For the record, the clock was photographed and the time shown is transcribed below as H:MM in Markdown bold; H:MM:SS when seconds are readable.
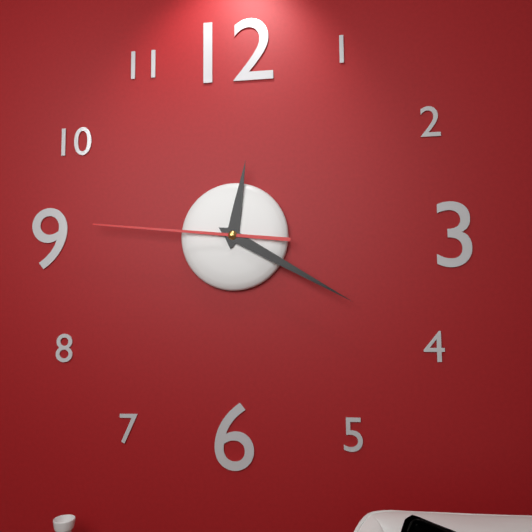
**12:20:46**
